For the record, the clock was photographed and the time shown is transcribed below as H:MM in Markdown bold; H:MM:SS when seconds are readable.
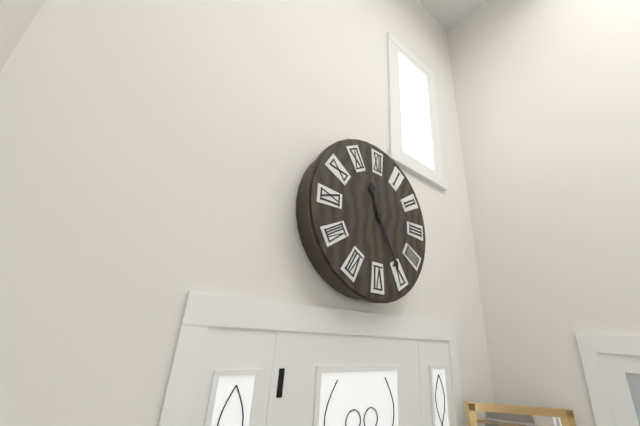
**11:25**
